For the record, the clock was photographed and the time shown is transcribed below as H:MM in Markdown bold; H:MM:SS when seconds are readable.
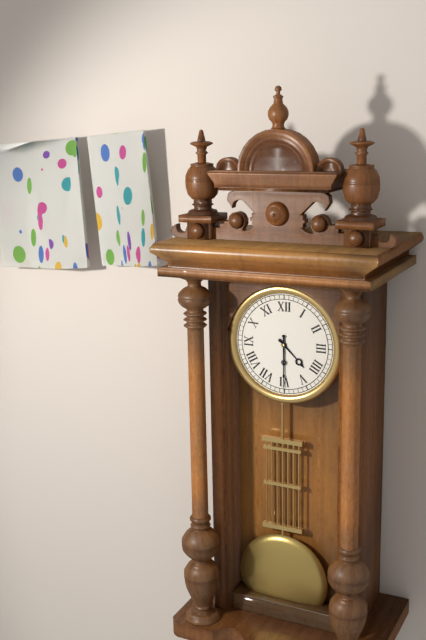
**4:30**
